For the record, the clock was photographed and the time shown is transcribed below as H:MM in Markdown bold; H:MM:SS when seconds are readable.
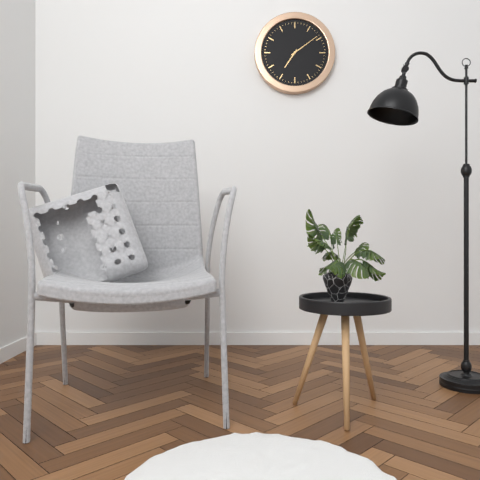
**7:09**
